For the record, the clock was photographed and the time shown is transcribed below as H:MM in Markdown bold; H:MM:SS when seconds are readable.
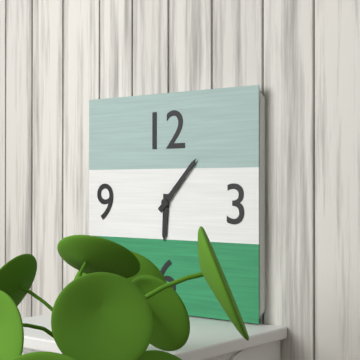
**6:07**
